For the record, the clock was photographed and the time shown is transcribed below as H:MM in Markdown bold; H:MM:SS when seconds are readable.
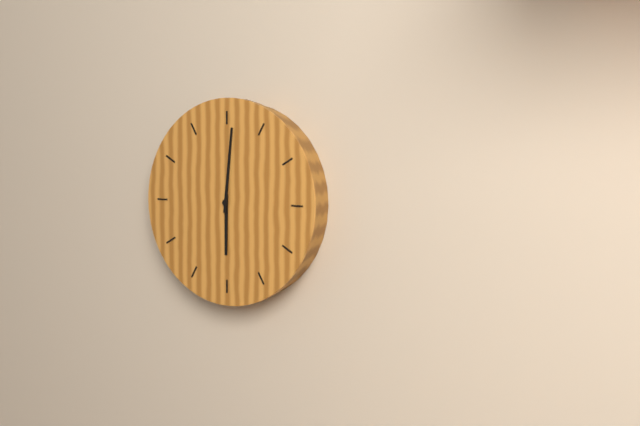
**6:01**
